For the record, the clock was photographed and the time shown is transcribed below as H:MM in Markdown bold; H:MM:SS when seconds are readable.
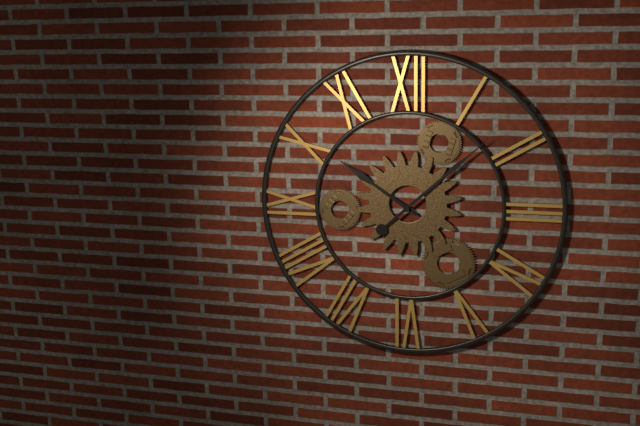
**10:08**
